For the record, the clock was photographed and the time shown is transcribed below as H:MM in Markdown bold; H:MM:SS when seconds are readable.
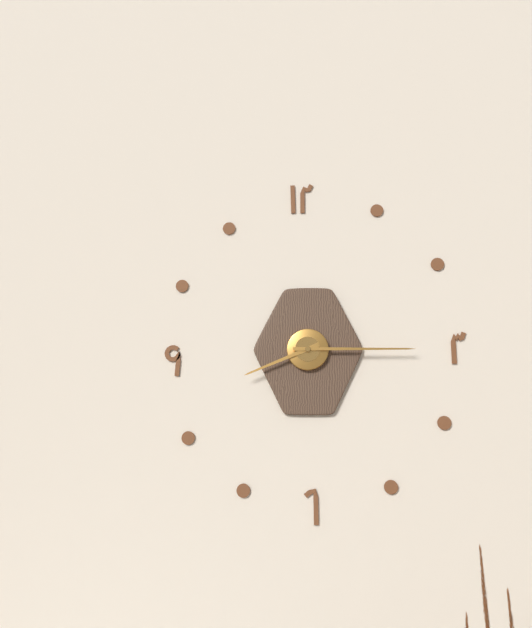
**8:15**
